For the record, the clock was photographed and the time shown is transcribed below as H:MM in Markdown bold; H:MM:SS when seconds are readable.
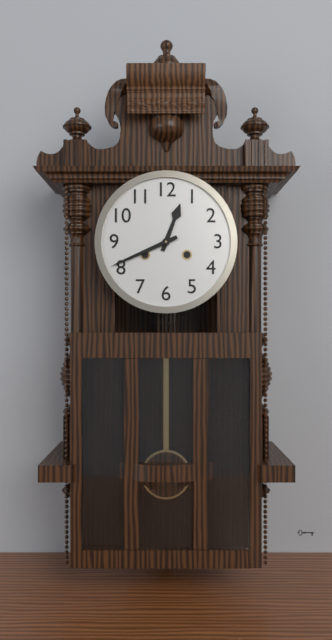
**12:41**
